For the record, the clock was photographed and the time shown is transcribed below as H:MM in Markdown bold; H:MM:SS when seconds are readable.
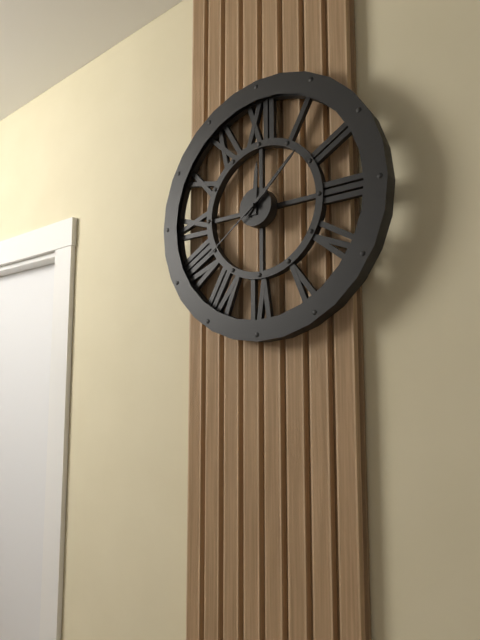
**12:08:39**
